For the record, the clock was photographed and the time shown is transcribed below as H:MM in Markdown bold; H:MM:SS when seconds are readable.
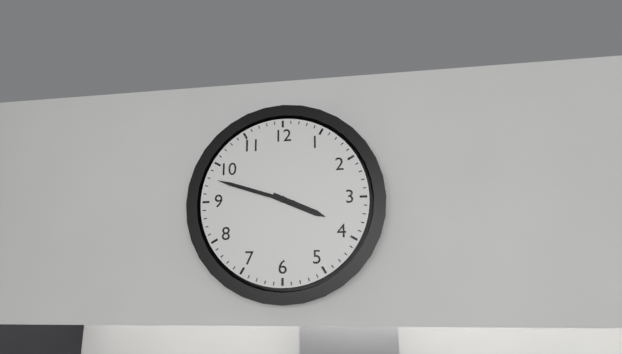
**3:48**
